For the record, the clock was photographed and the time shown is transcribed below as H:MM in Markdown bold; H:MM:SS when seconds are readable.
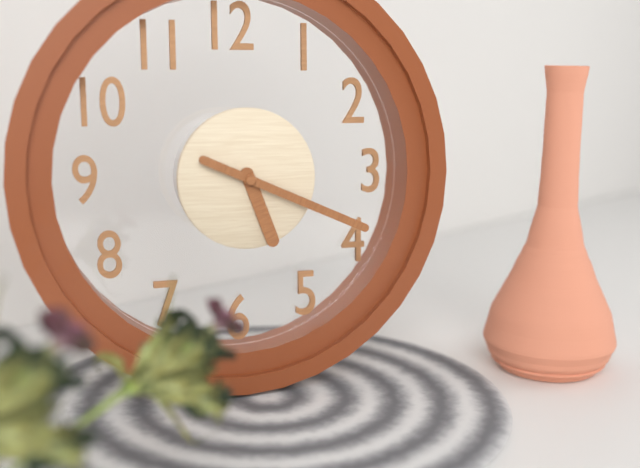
**5:19**
